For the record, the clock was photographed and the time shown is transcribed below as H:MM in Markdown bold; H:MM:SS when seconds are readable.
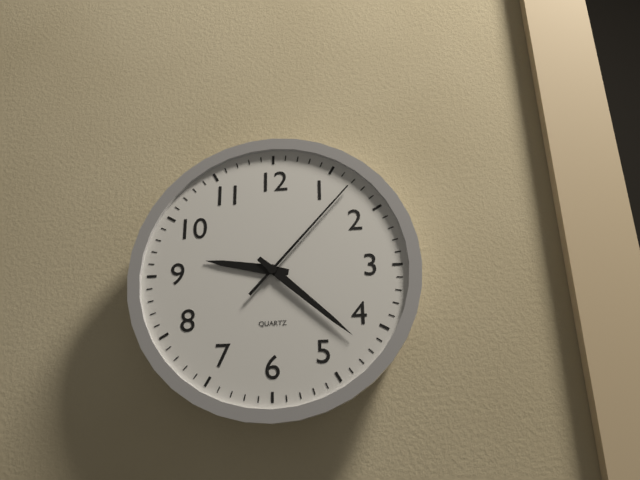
**9:22:07**
